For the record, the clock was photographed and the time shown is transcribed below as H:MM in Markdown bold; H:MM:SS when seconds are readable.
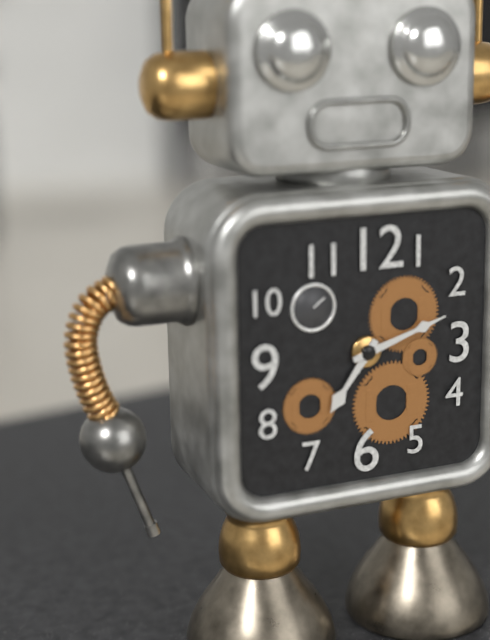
**7:12**
